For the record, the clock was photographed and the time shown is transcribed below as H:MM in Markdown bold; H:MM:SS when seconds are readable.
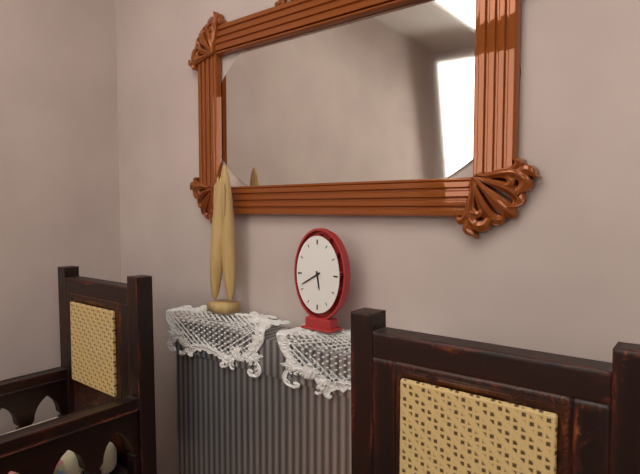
**5:40**
